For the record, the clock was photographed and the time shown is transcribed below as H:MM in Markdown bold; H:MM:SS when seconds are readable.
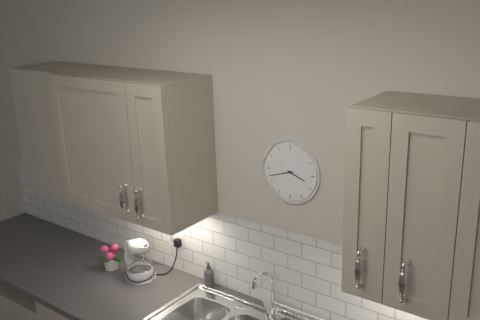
**3:42**
